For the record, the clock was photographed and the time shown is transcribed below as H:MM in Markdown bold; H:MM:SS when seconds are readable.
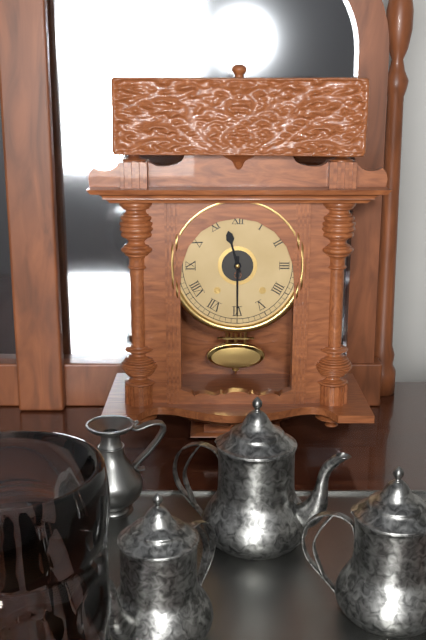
**11:30**
